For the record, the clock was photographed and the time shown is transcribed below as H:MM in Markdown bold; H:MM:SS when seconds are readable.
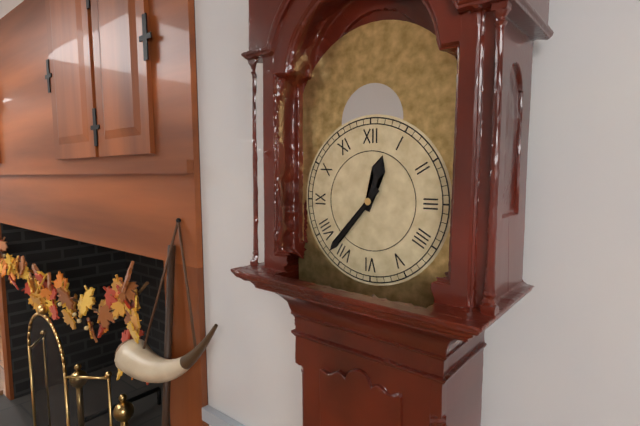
**12:37**
